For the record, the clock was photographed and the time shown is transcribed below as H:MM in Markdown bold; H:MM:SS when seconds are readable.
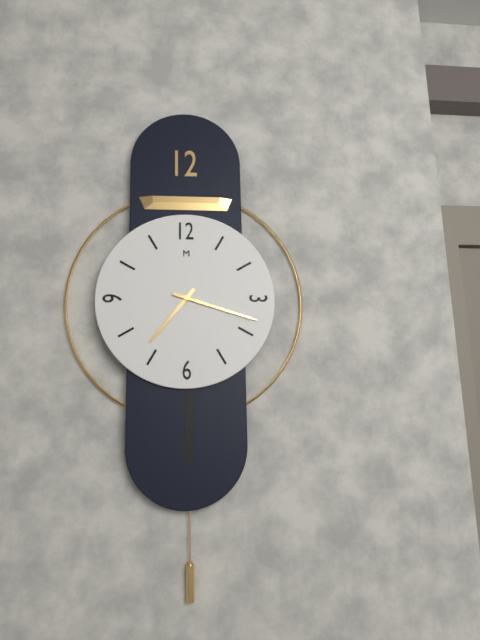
**7:18**
